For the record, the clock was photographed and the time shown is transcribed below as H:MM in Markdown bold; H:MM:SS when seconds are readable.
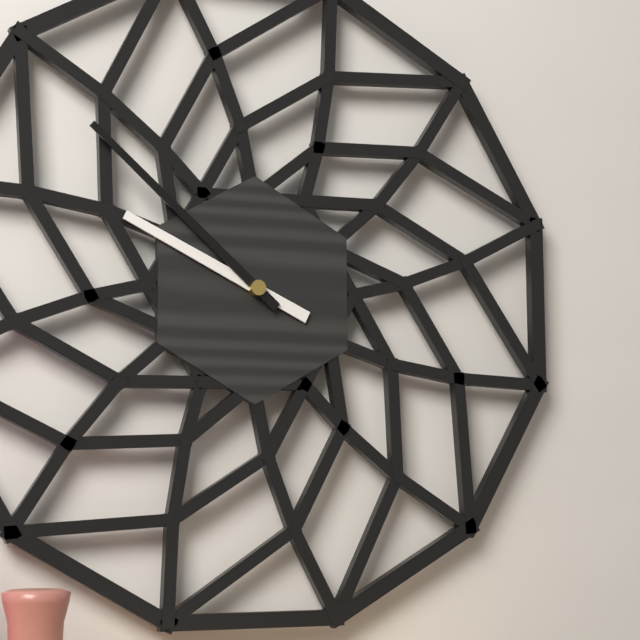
**9:52**
